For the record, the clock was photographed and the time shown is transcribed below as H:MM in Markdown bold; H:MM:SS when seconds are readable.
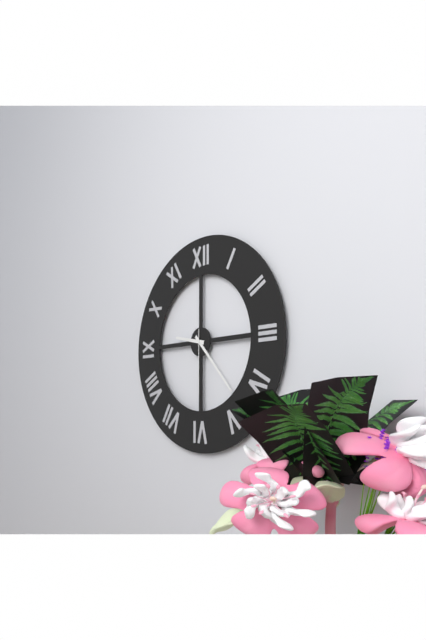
**9:23:30**
